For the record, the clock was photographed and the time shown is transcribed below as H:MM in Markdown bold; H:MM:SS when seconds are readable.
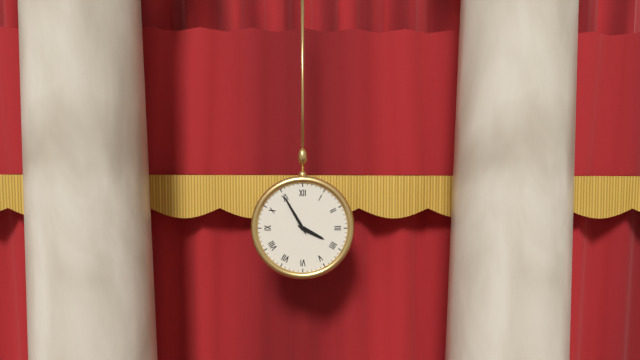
**3:55**
